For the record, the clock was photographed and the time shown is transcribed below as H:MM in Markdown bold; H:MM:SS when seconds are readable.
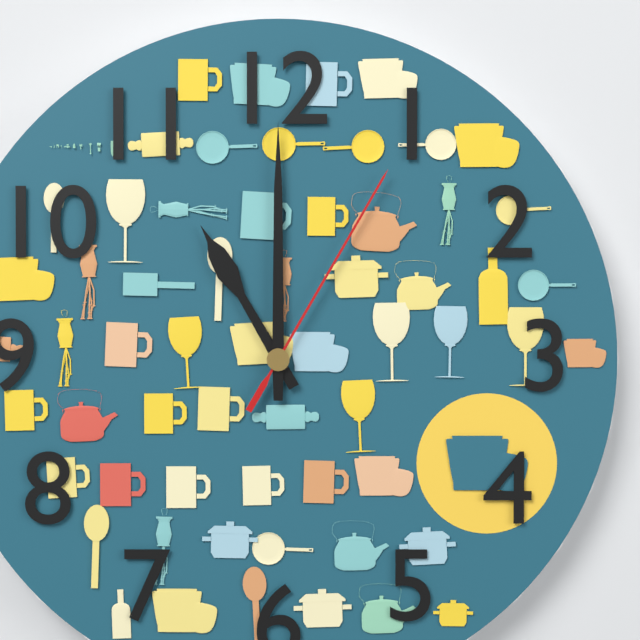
**11:00:05**
